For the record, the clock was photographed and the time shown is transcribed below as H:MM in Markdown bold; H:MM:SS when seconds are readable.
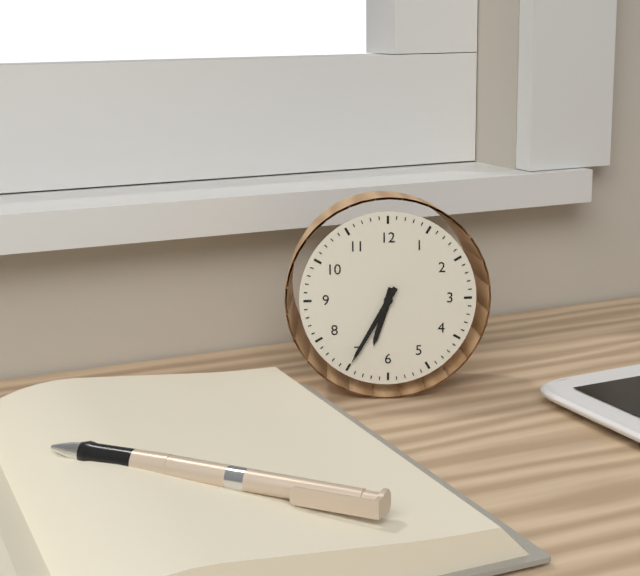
**6:35**
